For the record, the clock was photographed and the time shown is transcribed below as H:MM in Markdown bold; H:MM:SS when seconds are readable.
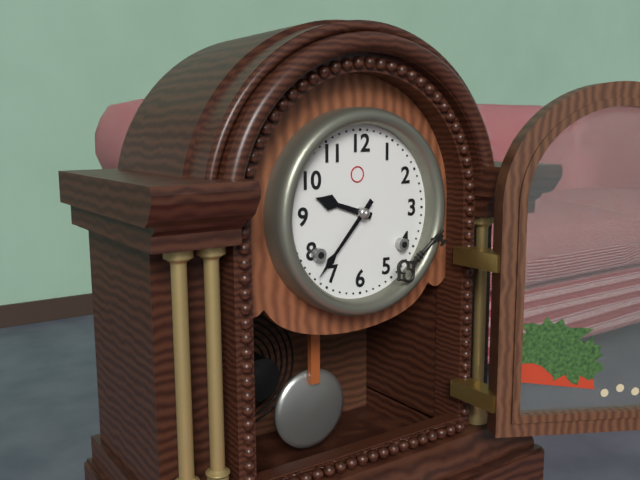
**9:37**
